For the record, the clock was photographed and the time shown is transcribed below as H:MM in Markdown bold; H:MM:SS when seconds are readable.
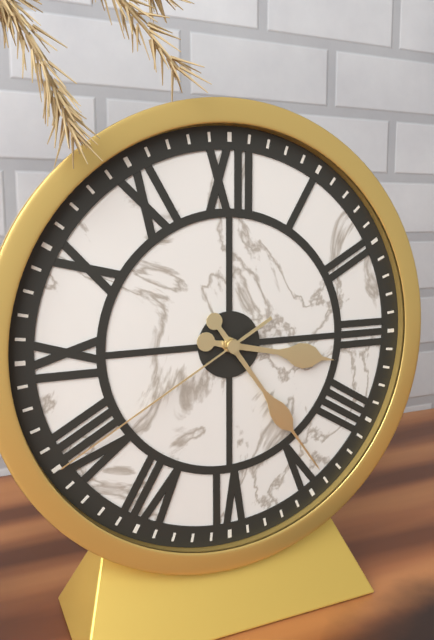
**3:24:40**
